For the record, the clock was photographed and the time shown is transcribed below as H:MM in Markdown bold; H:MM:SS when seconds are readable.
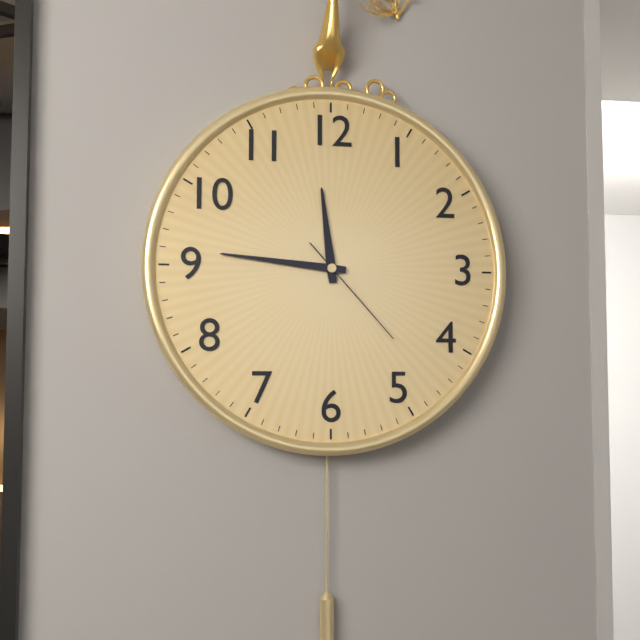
**11:46:23**
